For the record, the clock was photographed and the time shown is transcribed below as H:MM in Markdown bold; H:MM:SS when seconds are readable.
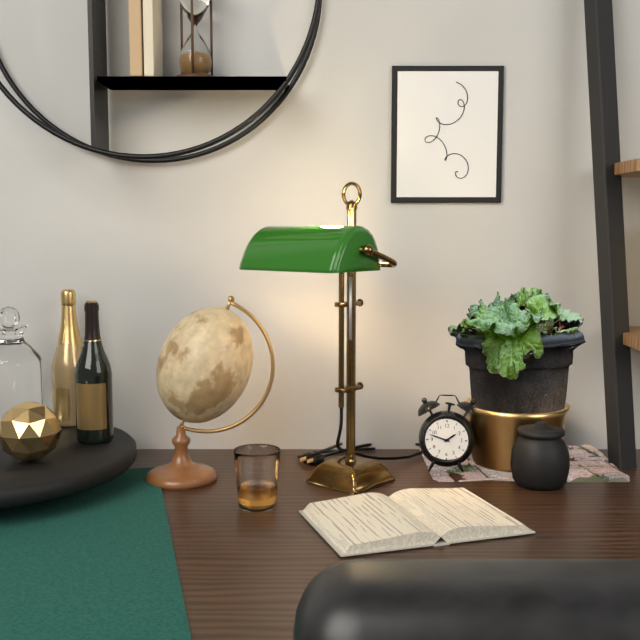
**1:48**
